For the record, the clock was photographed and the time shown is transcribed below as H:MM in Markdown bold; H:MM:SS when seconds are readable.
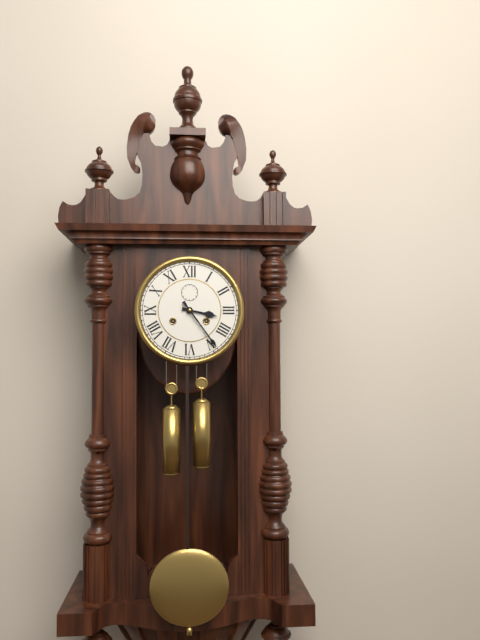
**3:24**
